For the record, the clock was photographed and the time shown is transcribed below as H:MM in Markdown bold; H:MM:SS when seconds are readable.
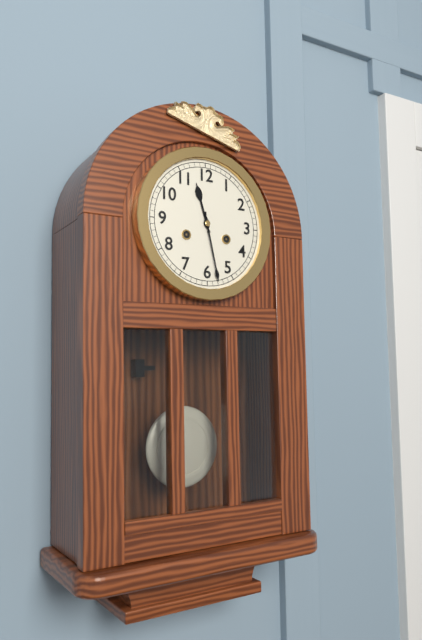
**11:28**
